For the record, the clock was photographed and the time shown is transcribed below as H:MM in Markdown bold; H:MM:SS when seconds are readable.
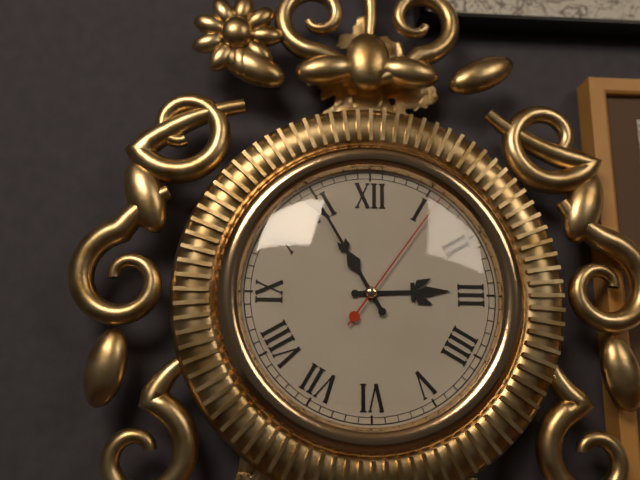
**2:55:06**
